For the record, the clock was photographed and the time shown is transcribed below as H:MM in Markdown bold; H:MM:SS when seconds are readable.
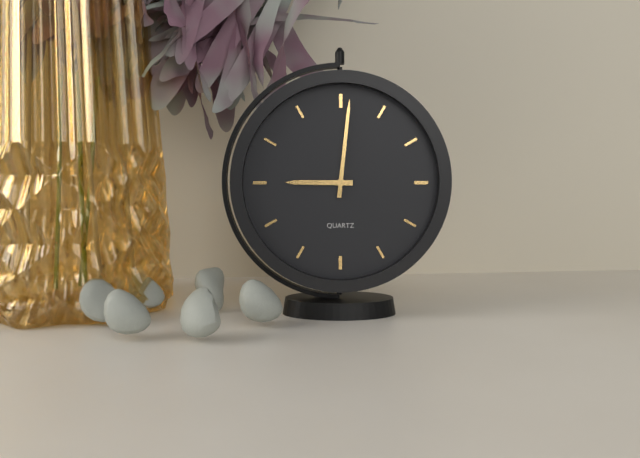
**9:01**
